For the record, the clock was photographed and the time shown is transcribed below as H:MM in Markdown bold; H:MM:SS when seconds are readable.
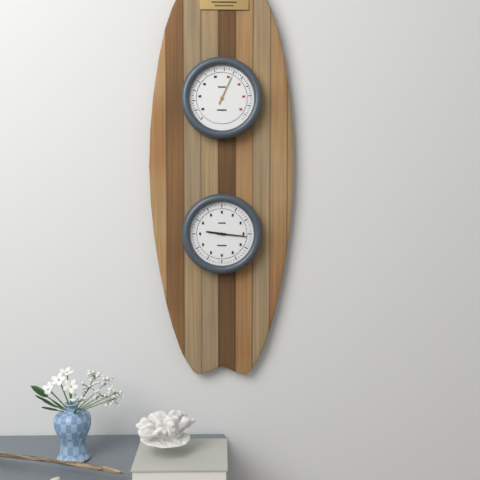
**9:16**
